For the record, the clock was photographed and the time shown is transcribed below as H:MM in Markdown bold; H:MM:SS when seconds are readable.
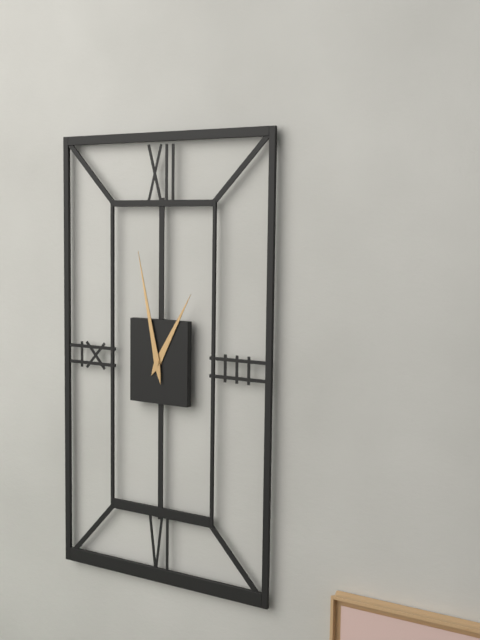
**12:58**
